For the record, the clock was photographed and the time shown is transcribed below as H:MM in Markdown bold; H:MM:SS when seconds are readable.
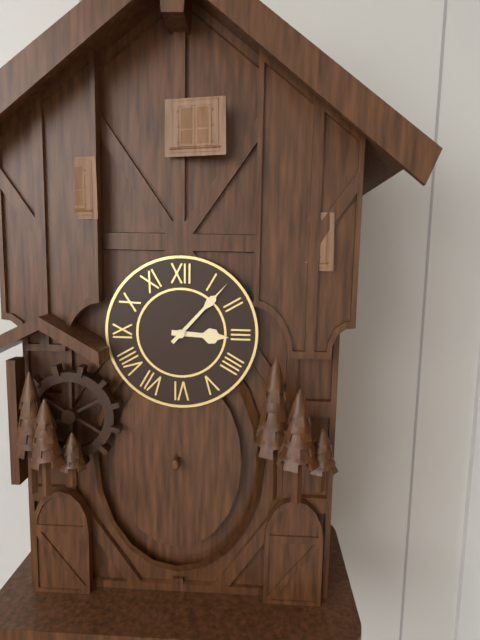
**3:07**
